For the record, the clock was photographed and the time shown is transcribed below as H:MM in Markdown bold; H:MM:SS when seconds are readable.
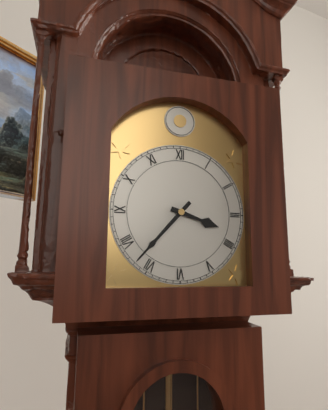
**3:37**
